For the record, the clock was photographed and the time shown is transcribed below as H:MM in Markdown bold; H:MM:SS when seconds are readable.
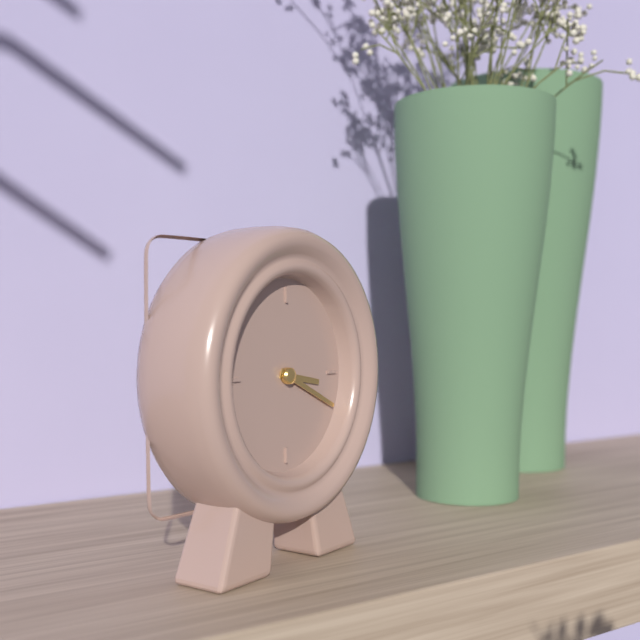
**3:19**
